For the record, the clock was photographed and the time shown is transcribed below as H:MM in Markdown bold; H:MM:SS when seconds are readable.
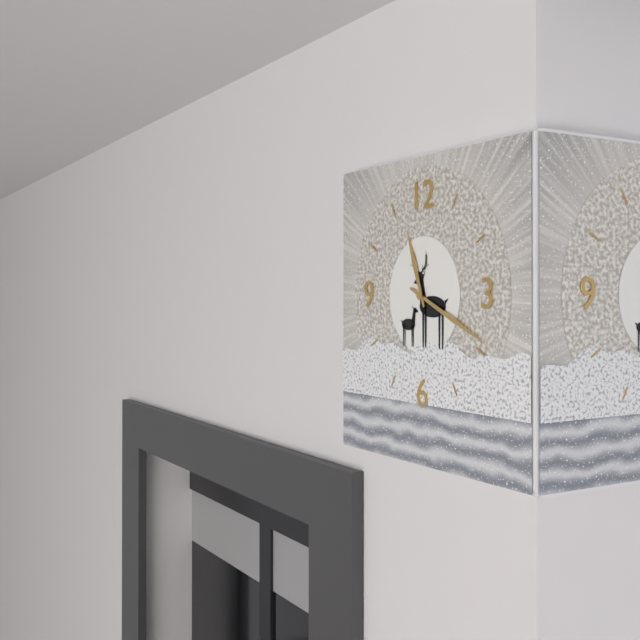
**11:19**
